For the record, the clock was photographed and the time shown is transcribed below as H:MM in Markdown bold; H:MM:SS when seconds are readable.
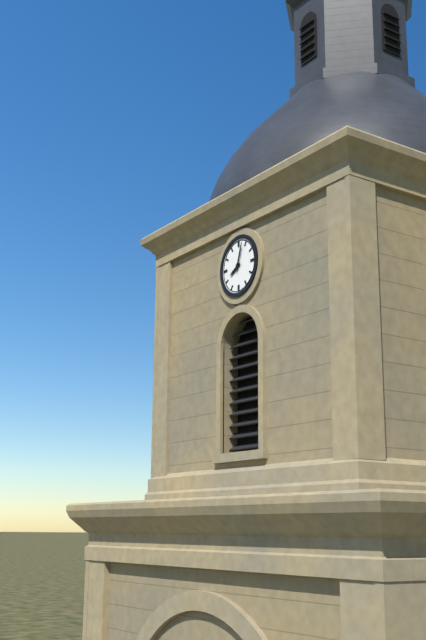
**8:03**
